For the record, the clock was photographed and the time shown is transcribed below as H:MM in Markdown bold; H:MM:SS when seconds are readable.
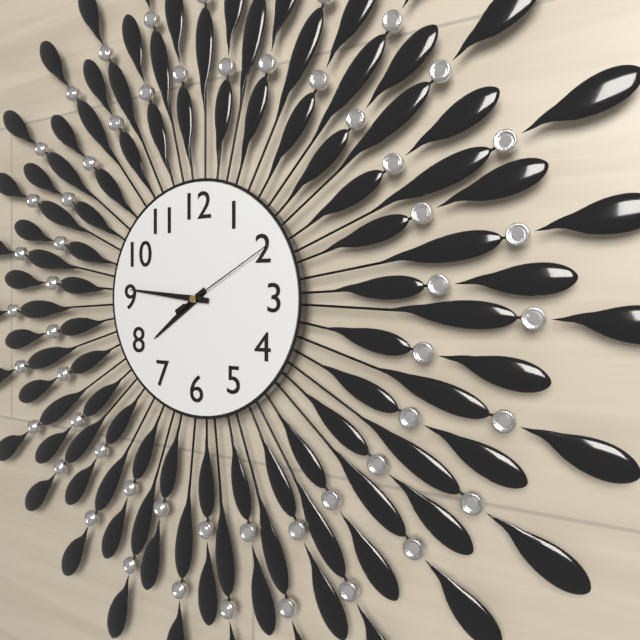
**7:46:10**
